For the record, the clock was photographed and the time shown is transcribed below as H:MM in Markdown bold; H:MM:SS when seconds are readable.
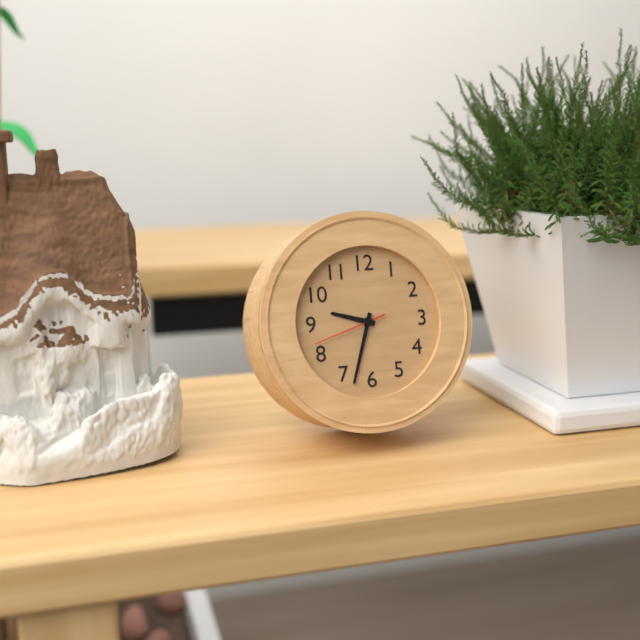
**9:33:42**
